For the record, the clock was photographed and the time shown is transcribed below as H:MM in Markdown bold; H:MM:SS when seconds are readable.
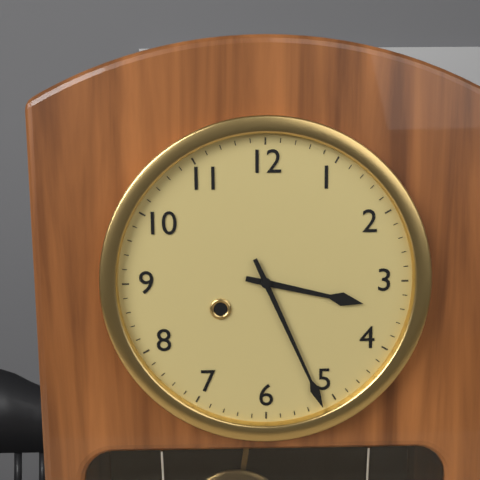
**3:26**
